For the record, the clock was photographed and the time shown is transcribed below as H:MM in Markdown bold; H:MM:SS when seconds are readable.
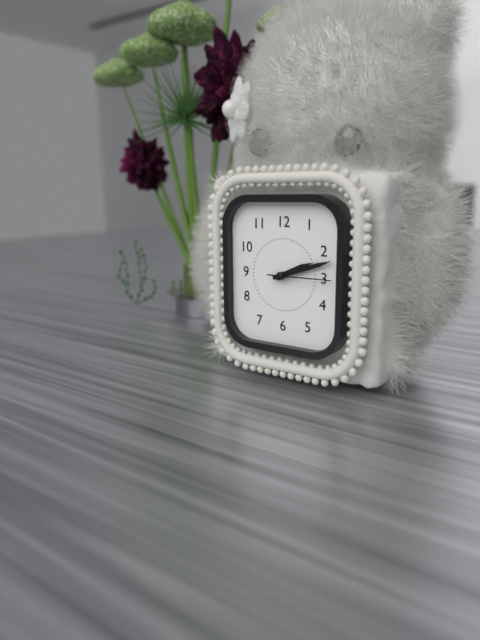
**2:12:15**
